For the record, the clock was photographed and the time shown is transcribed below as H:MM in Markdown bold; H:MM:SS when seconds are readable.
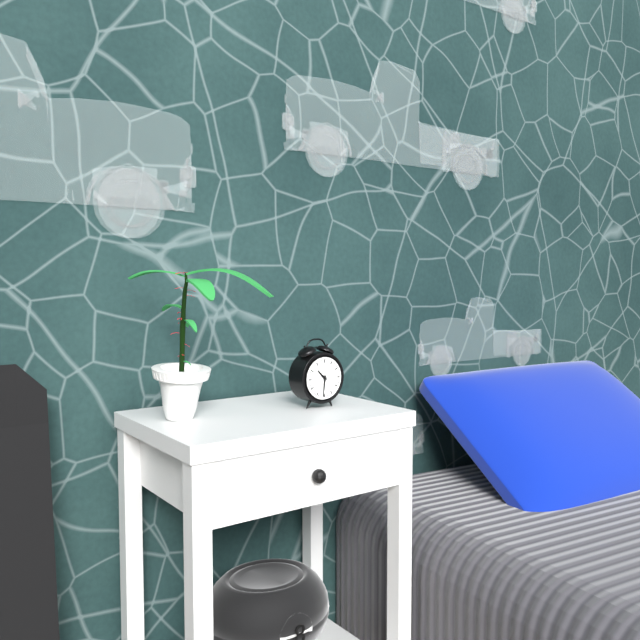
**10:31**
